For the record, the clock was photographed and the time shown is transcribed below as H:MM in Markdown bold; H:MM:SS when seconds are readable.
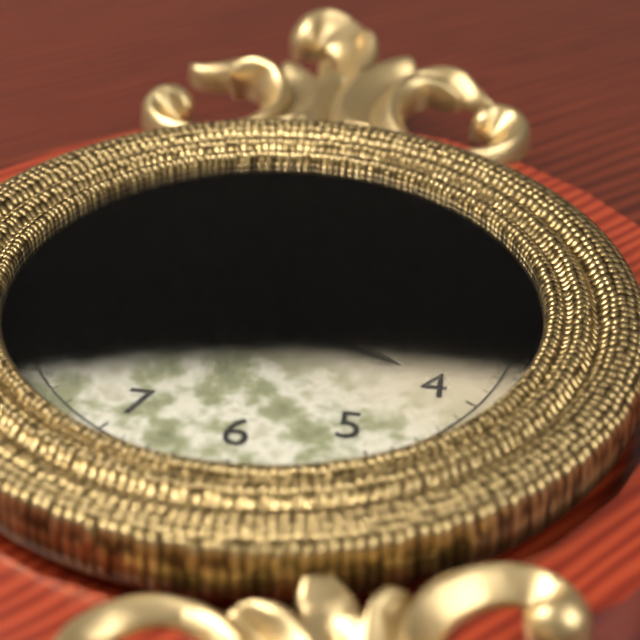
**3:57:02**
